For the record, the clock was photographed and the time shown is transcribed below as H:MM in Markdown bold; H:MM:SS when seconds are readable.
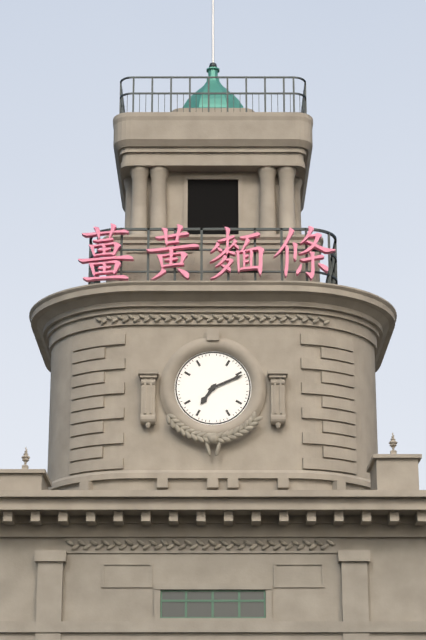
**7:11**
